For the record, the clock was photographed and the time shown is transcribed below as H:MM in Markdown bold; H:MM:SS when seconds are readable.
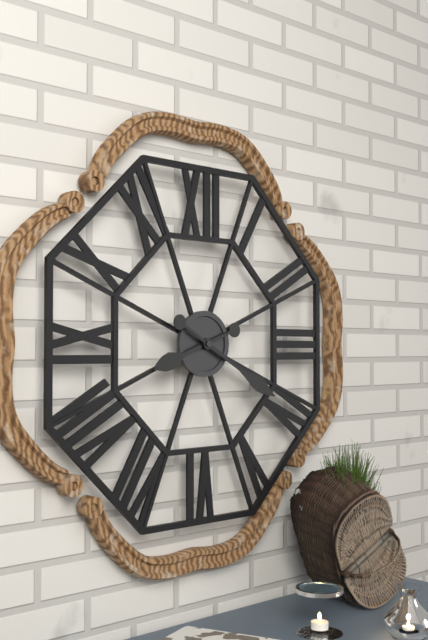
**8:20**
